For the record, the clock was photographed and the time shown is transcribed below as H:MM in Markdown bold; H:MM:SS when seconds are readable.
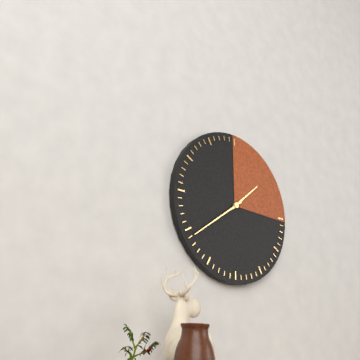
**1:39**
